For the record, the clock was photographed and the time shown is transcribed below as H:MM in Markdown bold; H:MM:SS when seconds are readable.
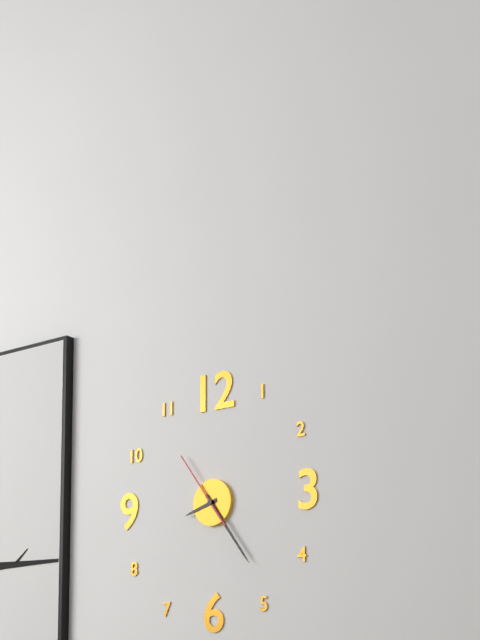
**8:24:54**
